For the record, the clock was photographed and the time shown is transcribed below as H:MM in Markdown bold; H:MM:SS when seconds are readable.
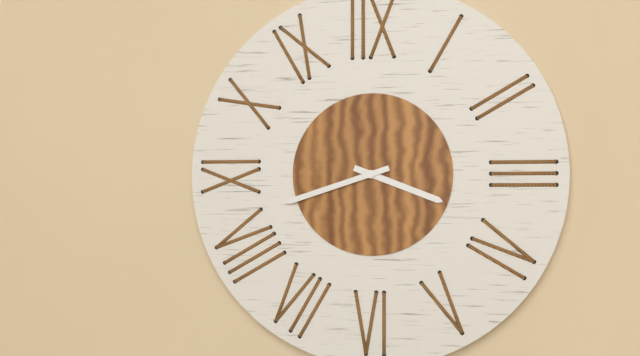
**3:42**
